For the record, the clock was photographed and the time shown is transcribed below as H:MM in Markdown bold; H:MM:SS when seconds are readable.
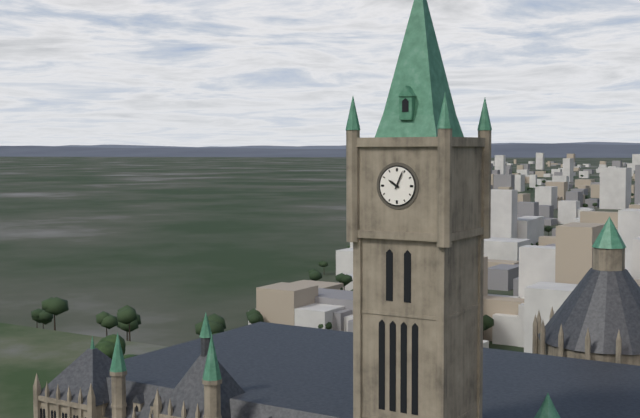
**10:04**
